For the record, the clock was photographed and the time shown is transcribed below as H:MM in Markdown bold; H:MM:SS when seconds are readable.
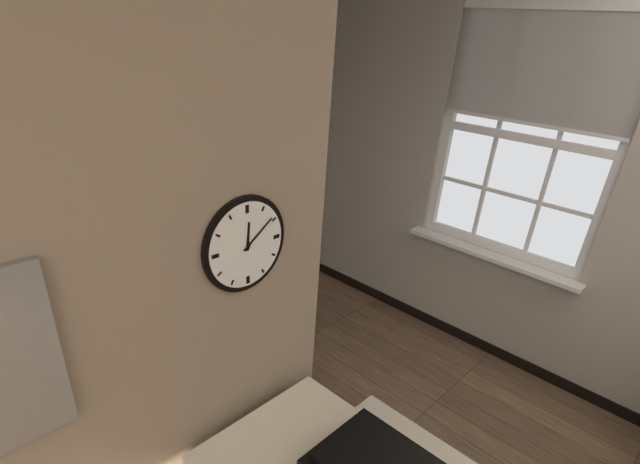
**12:09**
